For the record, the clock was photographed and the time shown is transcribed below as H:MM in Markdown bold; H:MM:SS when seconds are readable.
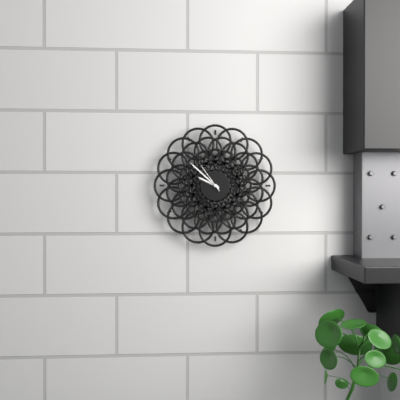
**9:52**
